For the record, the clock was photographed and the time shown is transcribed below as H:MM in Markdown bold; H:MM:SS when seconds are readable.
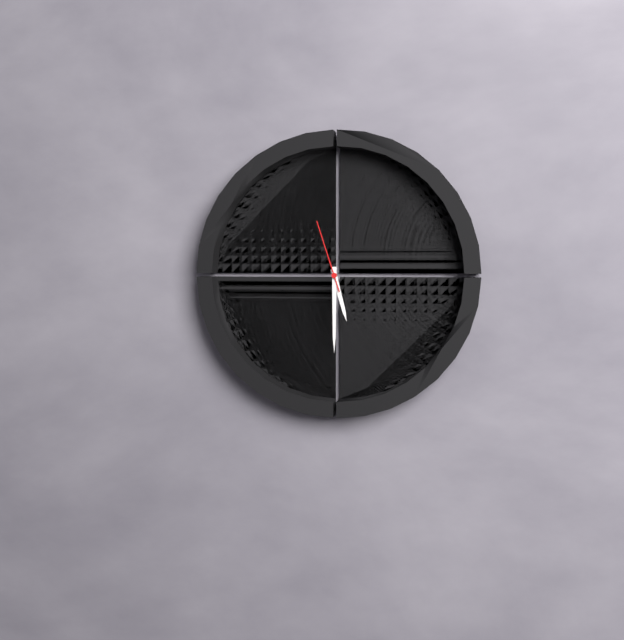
**5:30:57**
